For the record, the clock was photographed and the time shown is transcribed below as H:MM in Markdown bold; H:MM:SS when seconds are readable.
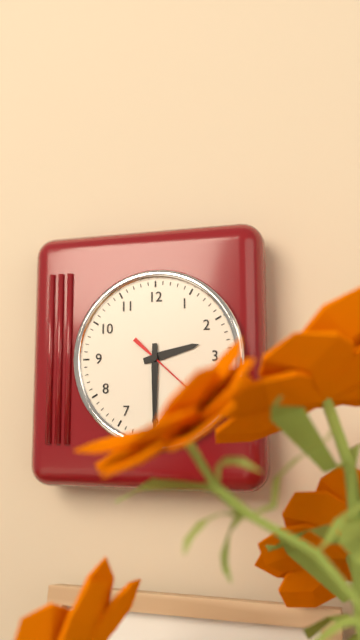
**2:30**
